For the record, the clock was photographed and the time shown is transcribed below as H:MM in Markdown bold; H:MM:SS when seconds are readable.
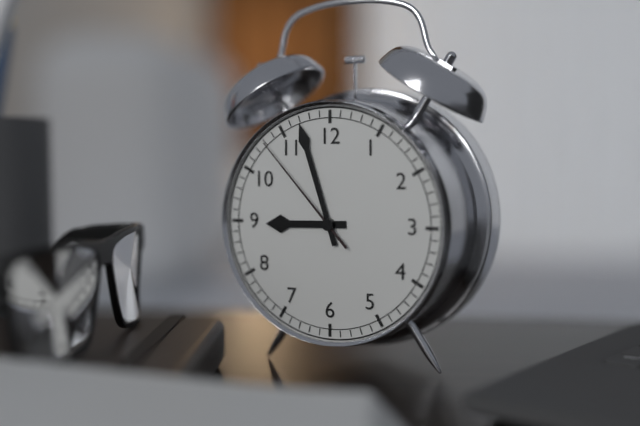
**8:57:53**
